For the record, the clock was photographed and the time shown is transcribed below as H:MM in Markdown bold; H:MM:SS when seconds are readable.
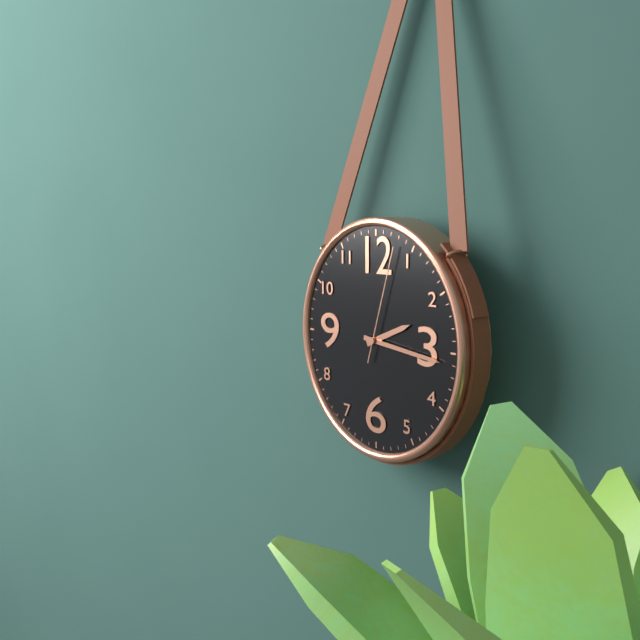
**2:16:03**
